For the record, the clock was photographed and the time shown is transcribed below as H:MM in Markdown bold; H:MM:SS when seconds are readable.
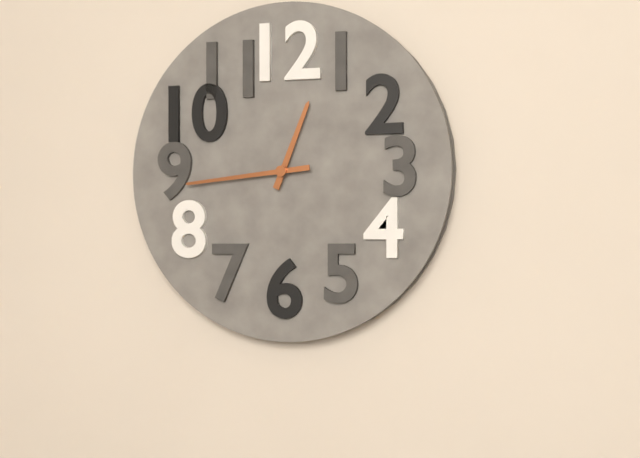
**12:44**
